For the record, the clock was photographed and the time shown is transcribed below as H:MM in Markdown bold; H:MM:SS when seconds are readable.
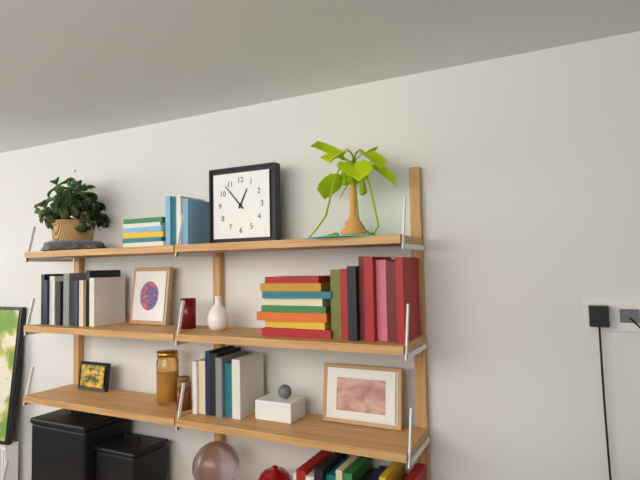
**12:53**
